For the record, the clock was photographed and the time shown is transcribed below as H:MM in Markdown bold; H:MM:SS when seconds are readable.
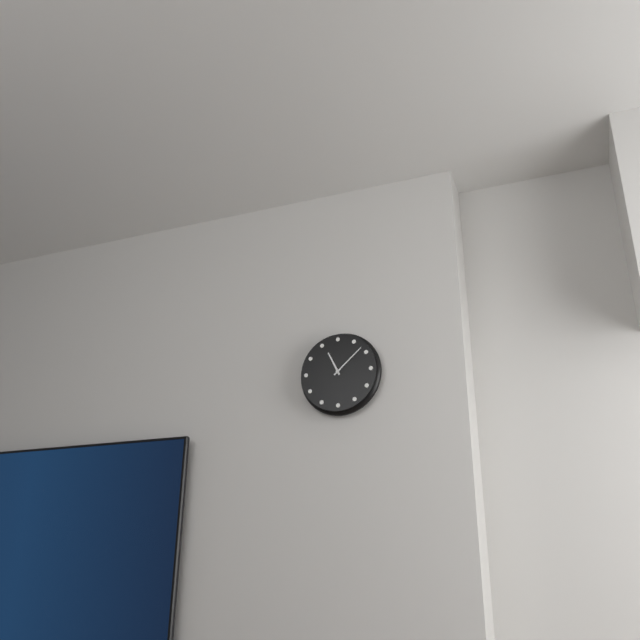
**11:08**
